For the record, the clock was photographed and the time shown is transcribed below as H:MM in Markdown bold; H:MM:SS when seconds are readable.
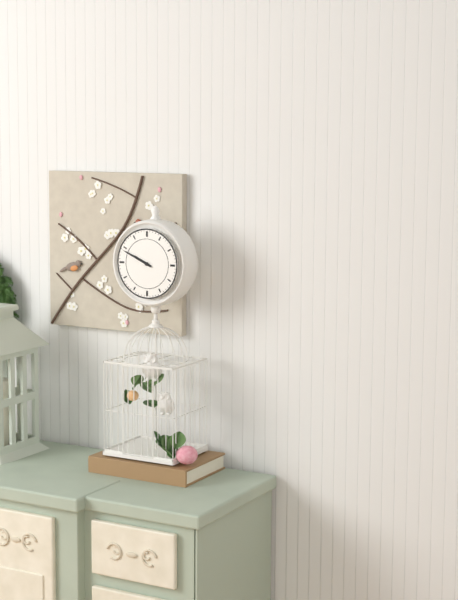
**9:49**
